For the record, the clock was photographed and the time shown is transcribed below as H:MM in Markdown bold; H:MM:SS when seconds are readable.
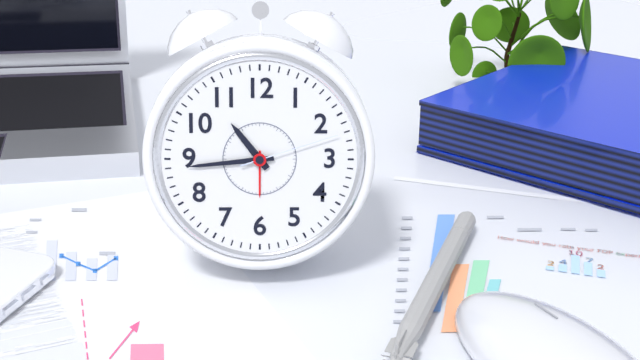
**10:44:12**
